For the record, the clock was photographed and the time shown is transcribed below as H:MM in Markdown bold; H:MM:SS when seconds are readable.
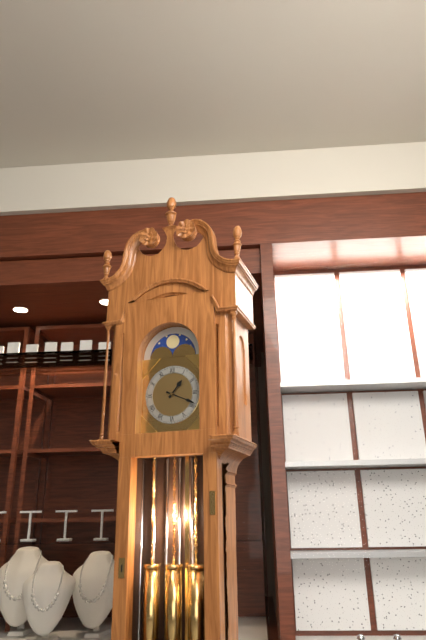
**1:19**
